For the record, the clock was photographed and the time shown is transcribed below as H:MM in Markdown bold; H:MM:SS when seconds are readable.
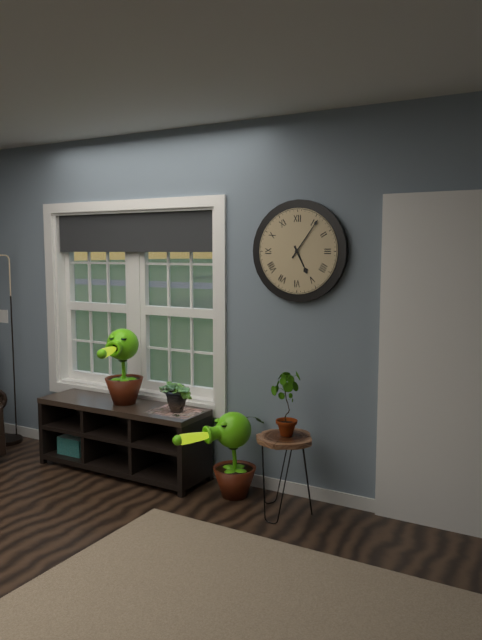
**5:06**
